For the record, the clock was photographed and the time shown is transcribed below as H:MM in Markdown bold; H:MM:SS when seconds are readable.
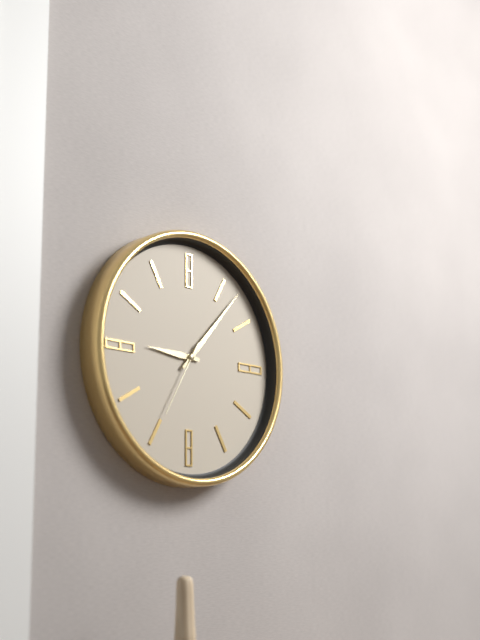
**9:07:35**
